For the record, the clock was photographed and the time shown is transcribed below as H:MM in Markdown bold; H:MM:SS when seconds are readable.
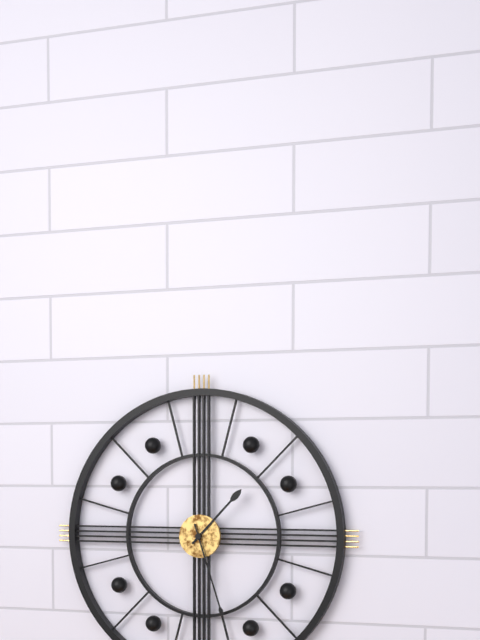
**1:27**
